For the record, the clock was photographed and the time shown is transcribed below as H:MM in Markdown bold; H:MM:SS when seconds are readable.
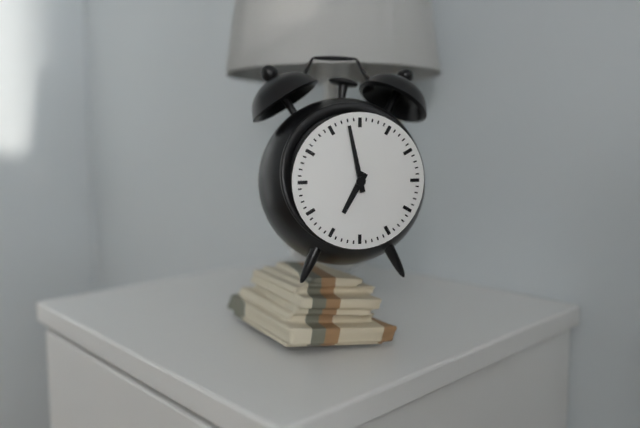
**6:58**
